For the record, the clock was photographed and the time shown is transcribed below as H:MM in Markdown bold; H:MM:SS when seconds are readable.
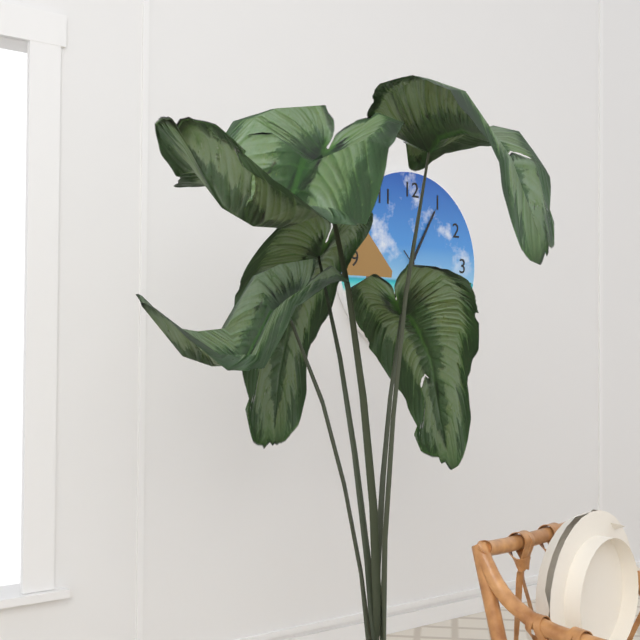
**7:05:23**
